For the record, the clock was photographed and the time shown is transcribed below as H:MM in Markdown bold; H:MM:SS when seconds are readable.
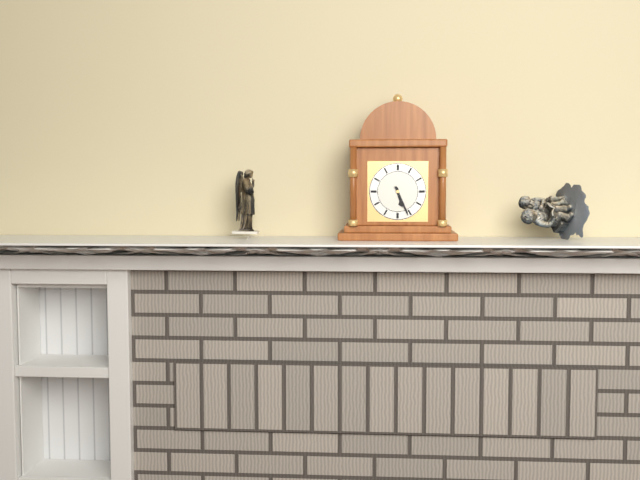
**5:26**
